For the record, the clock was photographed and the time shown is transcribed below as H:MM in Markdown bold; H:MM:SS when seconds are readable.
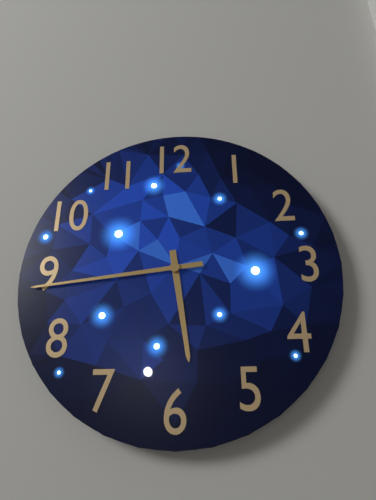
**5:44**
